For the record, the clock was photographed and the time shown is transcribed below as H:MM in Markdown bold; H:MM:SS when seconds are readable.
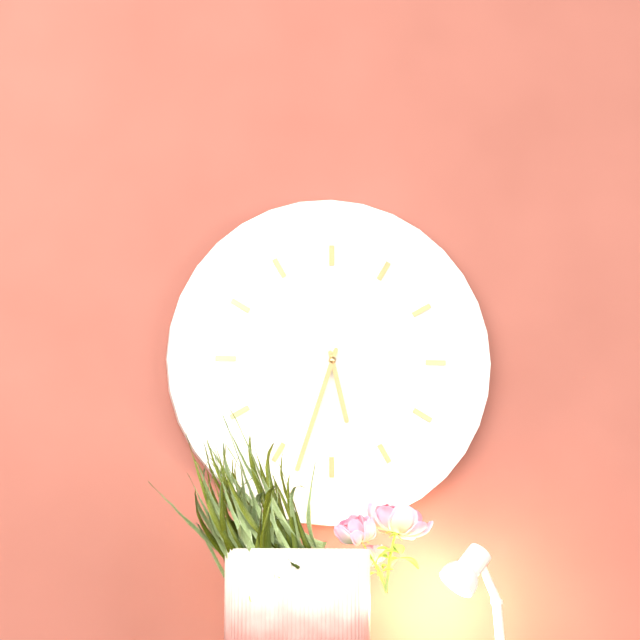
**5:33**
